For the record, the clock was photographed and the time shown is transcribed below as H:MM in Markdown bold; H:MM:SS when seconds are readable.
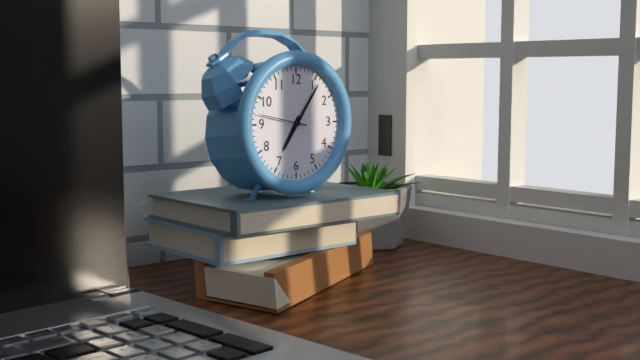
**7:06:47**
